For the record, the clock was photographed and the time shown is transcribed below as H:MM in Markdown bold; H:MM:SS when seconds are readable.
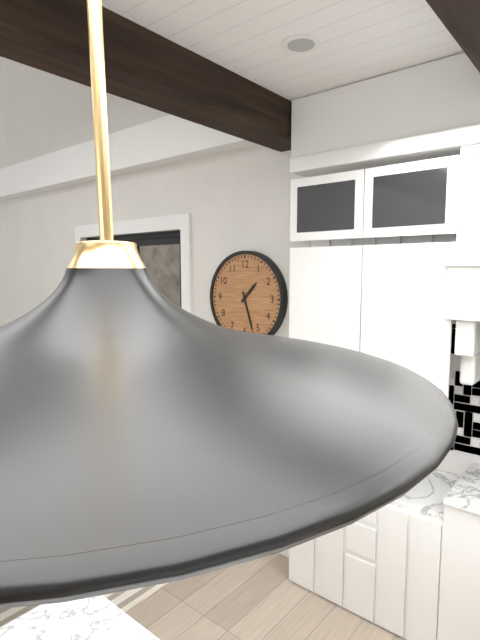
**1:27**
